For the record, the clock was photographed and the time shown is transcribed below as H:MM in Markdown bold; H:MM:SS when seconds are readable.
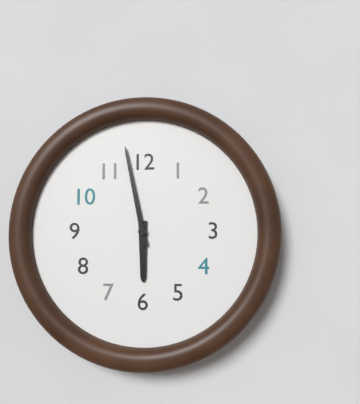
**5:58**
